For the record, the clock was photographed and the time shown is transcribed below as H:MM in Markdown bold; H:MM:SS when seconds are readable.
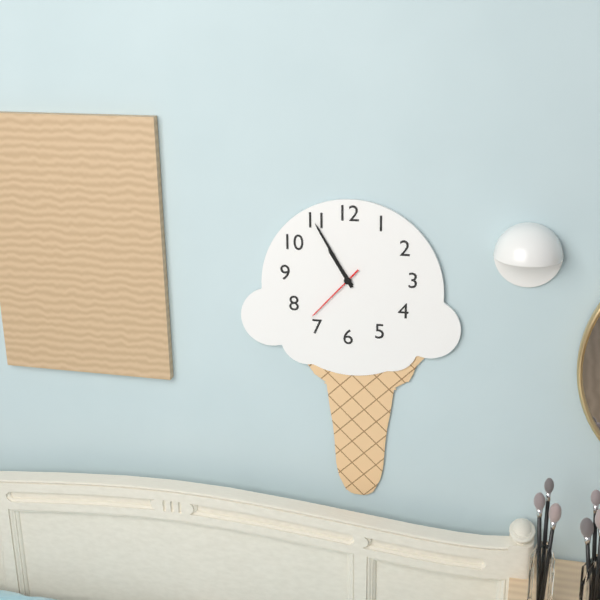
**10:55:37**
